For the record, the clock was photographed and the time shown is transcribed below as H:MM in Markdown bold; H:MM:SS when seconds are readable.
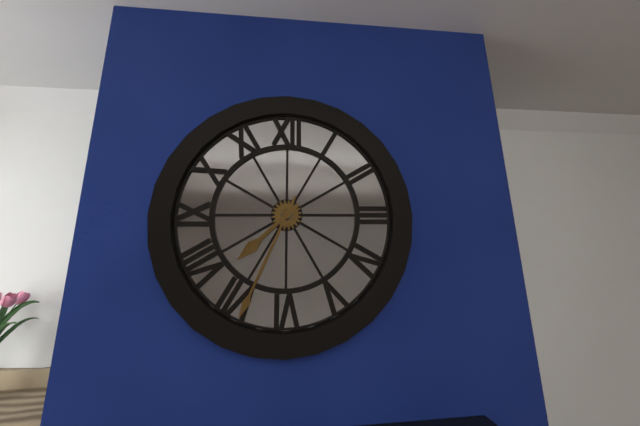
**7:34**
